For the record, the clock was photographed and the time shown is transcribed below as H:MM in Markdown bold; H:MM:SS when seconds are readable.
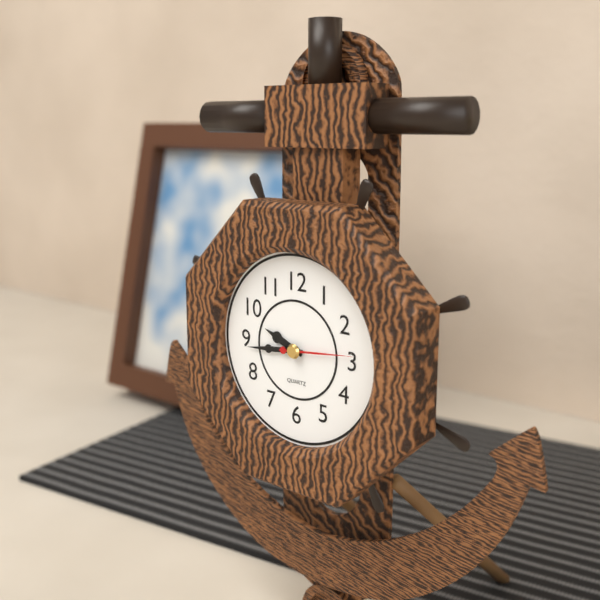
**9:44:14**
